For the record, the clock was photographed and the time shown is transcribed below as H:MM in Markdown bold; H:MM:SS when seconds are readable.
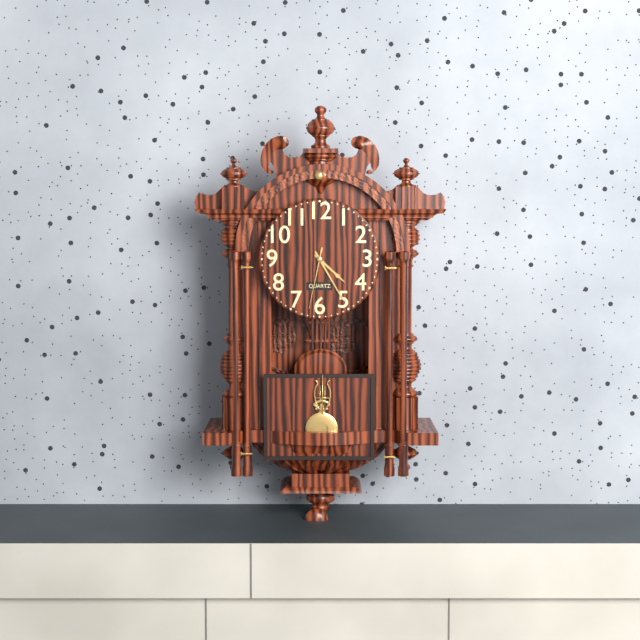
**4:25:32**
